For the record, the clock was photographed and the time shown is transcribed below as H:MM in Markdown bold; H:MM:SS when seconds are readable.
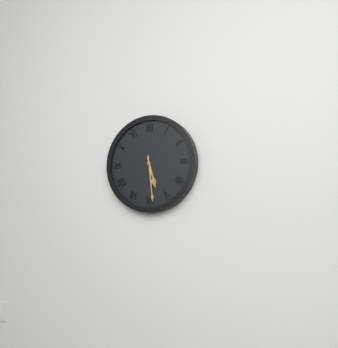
**5:29**
